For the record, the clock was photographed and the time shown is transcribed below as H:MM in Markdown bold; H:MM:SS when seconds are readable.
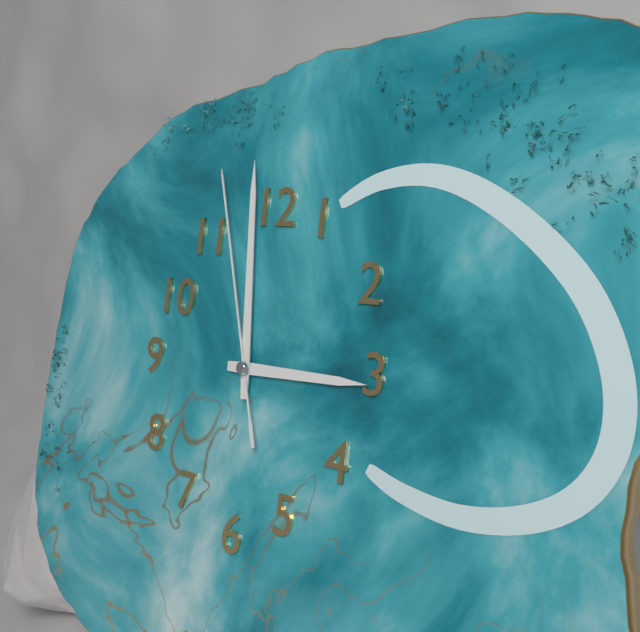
**2:59:57**
